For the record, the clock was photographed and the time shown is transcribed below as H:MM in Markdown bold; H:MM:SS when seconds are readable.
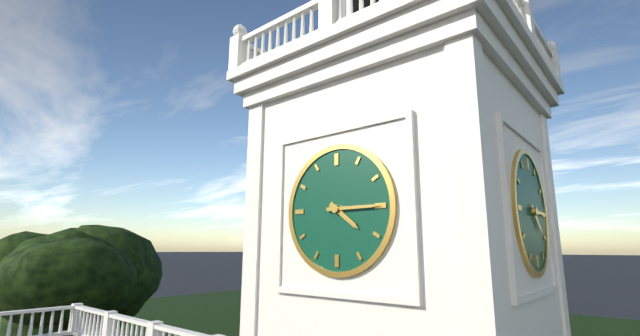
**4:15**
